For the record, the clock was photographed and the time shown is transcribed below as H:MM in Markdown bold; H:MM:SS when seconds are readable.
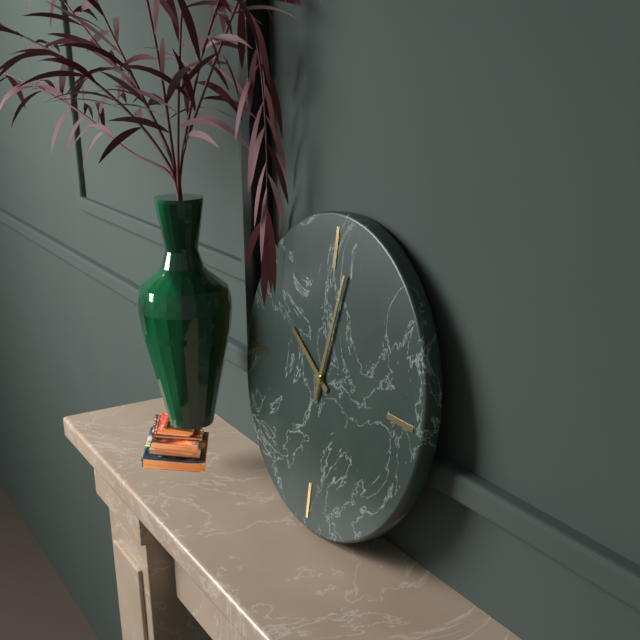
**10:02**
